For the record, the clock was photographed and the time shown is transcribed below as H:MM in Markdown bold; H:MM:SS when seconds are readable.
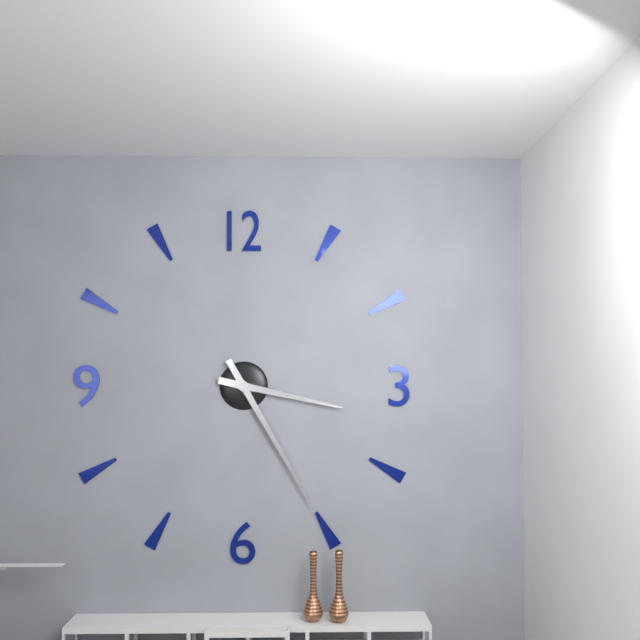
**3:25**
